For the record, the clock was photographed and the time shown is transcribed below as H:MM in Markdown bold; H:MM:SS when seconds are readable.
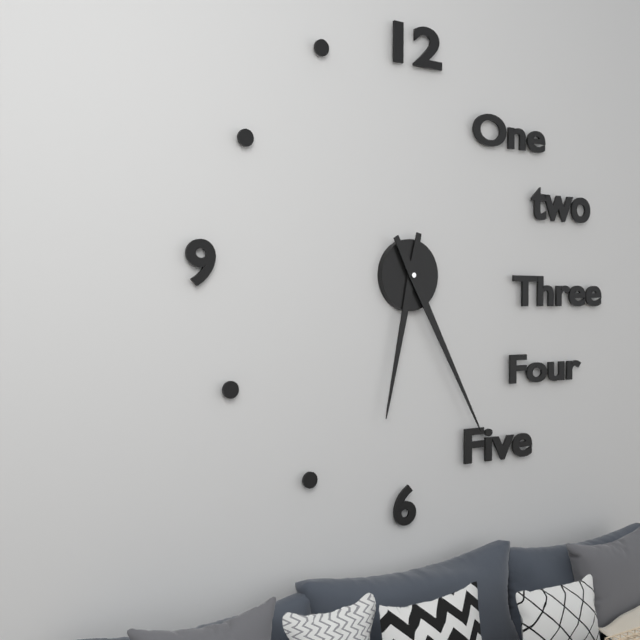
**6:25**
